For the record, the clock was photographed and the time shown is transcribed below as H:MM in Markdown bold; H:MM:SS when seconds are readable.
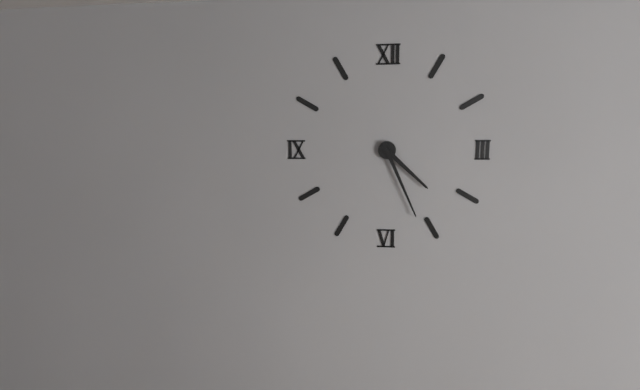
**4:26**
